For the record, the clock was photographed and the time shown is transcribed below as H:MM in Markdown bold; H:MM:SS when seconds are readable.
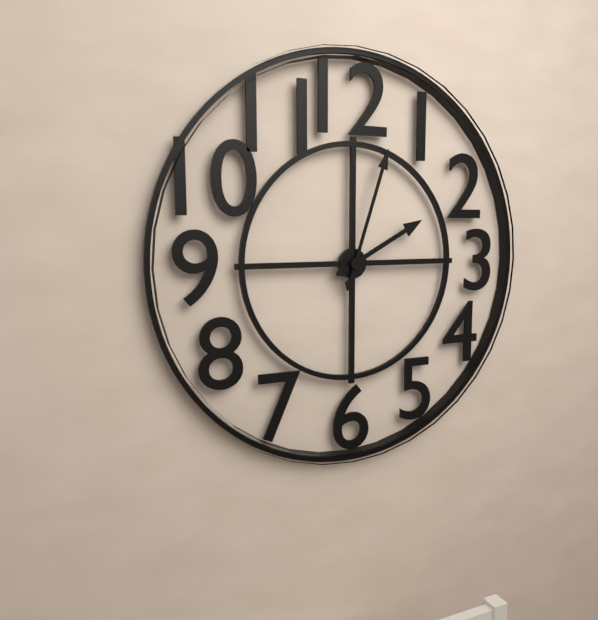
**2:03**
